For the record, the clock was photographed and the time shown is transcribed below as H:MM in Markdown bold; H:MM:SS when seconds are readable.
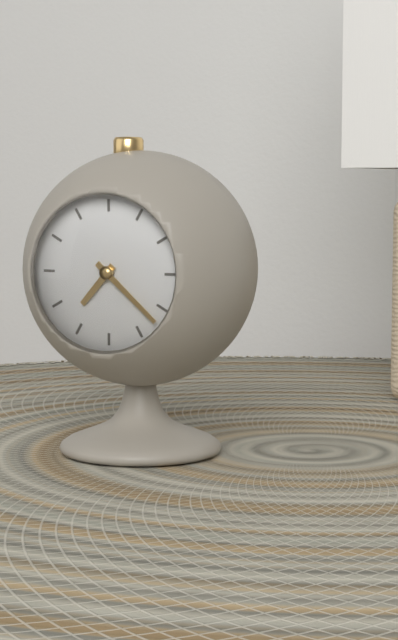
**7:22**
